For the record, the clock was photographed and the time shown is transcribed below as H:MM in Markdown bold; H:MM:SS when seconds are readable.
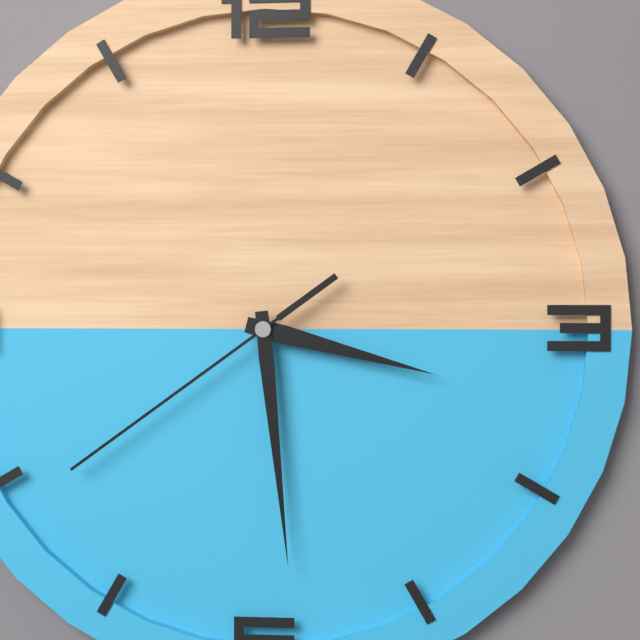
**3:29:39**
